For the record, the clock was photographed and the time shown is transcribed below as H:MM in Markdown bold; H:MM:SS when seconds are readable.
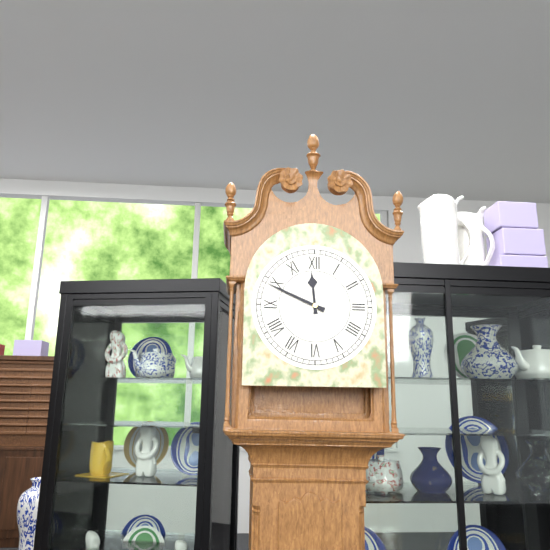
**11:49**
